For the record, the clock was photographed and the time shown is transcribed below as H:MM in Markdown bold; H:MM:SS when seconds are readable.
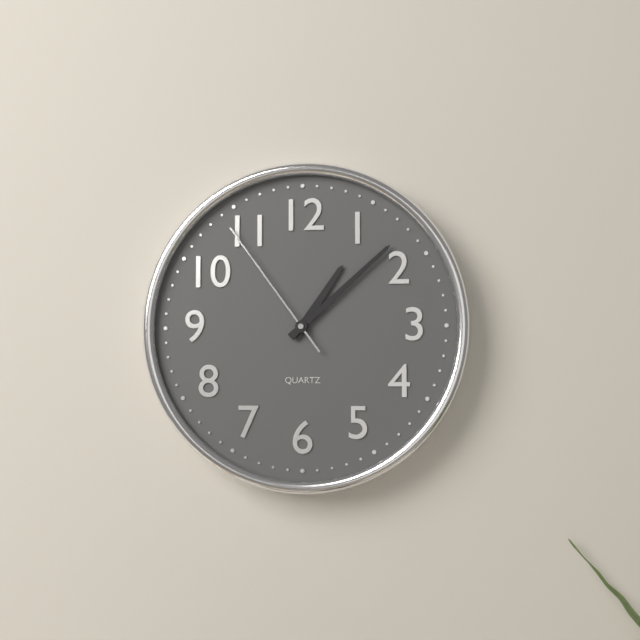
**1:08:54**
